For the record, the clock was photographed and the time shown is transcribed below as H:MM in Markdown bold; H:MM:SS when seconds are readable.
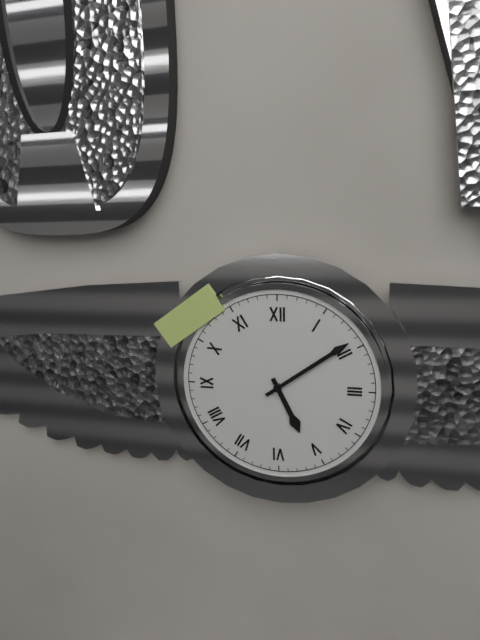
**5:09**
